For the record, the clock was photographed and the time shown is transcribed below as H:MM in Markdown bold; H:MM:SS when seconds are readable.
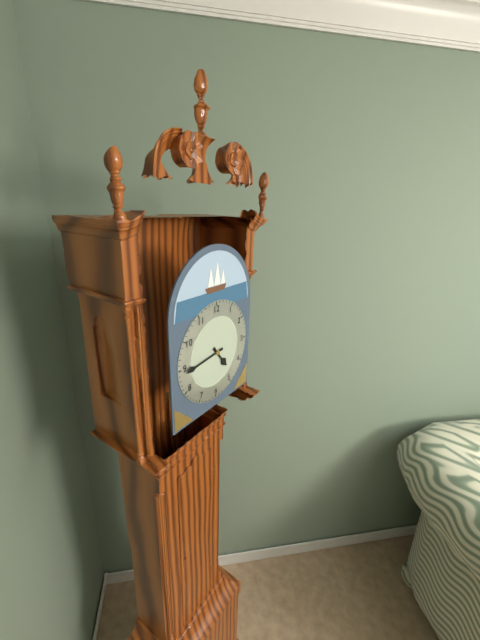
**4:44**
